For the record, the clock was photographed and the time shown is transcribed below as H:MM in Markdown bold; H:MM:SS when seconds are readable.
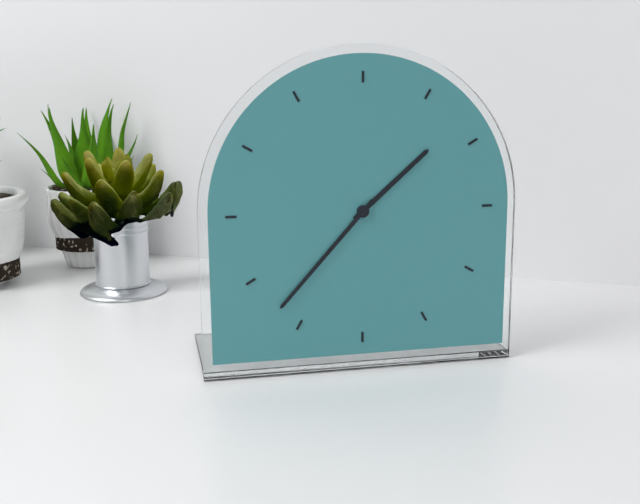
**1:37**
